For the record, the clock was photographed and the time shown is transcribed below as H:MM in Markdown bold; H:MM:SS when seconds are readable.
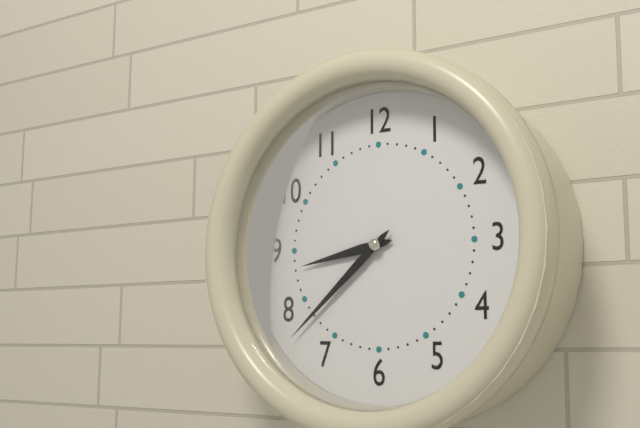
**8:38**
